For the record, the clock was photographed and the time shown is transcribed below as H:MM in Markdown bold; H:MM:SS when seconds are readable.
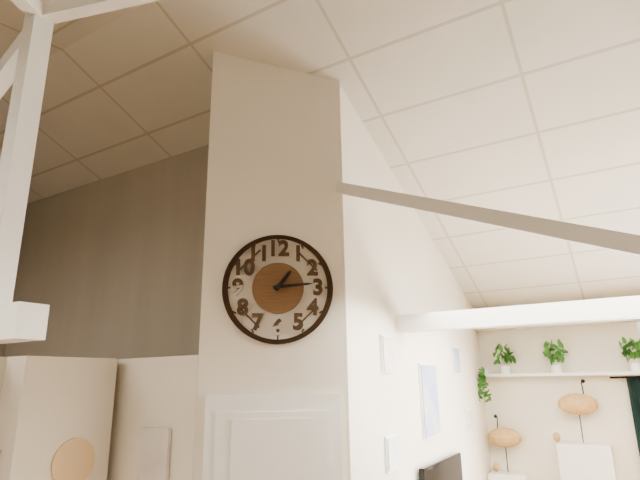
**1:14**
